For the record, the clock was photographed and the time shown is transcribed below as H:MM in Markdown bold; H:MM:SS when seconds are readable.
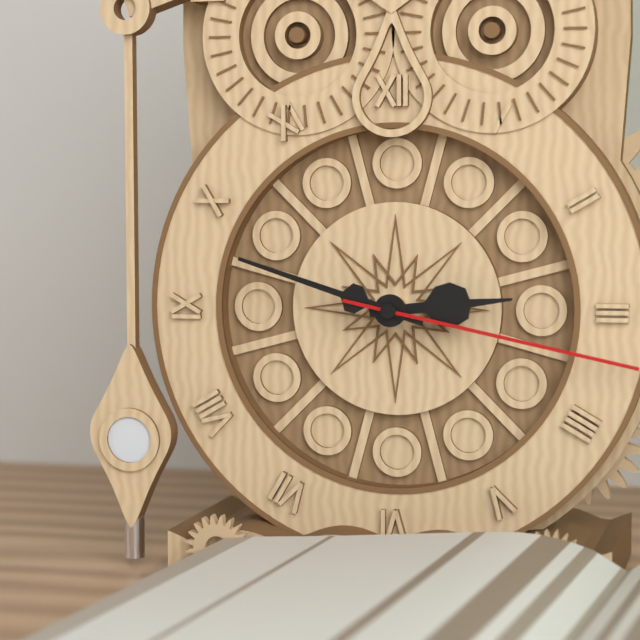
**2:48:17**
